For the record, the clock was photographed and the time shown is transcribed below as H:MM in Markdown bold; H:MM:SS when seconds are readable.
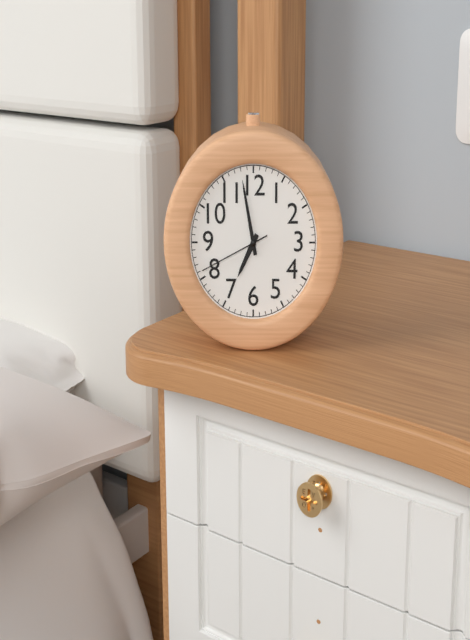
**6:58:41**
